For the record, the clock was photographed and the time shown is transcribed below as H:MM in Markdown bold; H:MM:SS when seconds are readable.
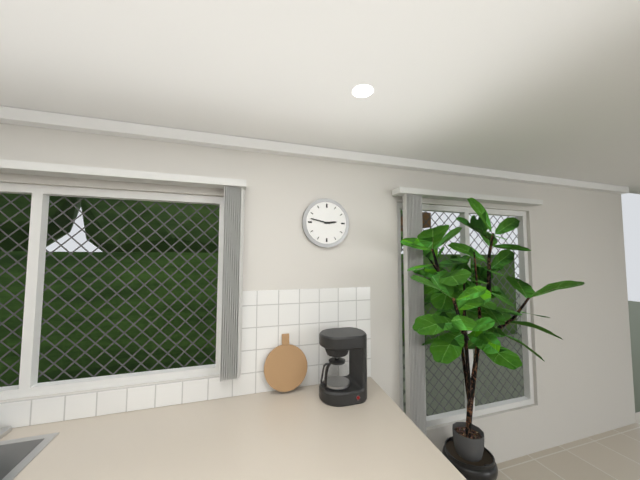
**2:47**
